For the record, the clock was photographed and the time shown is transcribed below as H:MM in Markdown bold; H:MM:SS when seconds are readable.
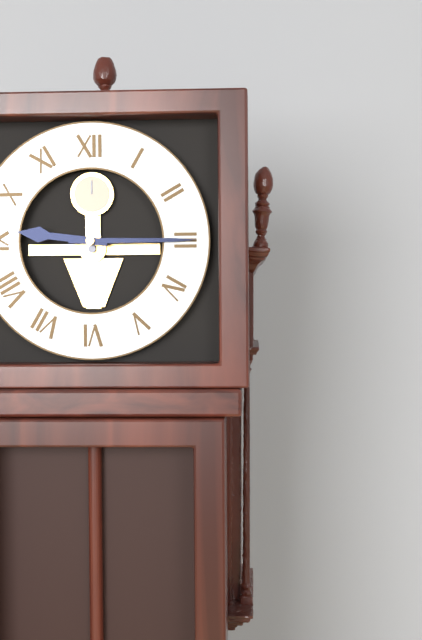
**9:15**
